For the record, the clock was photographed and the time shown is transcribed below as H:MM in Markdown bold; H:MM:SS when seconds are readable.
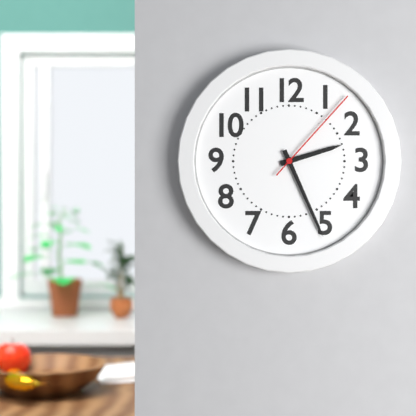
**2:26:07**
